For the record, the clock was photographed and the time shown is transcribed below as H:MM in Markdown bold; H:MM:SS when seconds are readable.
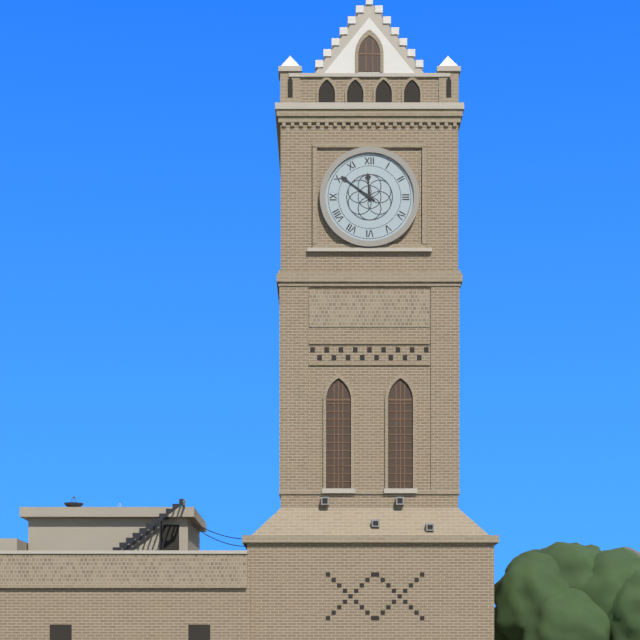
**11:51**
